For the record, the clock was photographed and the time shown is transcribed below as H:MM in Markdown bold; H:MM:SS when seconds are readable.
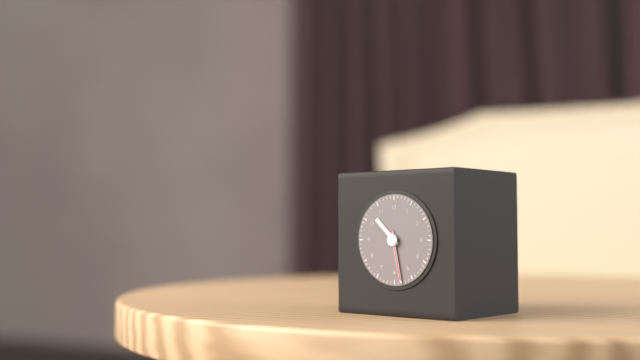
**10:28:28**
